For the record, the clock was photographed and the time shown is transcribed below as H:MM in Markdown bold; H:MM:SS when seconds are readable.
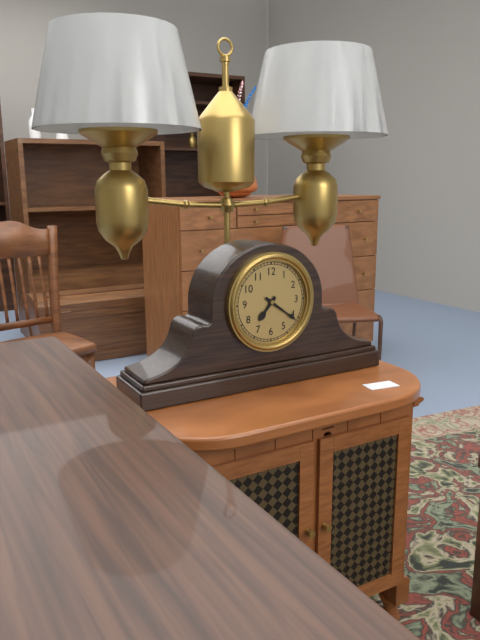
**7:21**
